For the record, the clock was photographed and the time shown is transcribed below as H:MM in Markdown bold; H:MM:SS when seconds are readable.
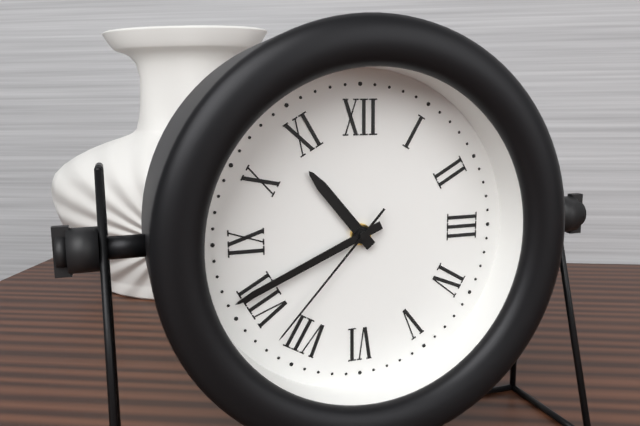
**10:41:37**
